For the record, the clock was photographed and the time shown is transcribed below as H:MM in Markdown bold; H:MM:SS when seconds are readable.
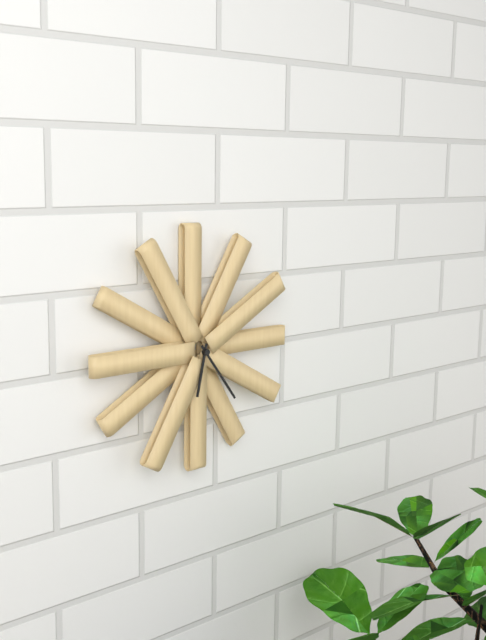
**6:24**
